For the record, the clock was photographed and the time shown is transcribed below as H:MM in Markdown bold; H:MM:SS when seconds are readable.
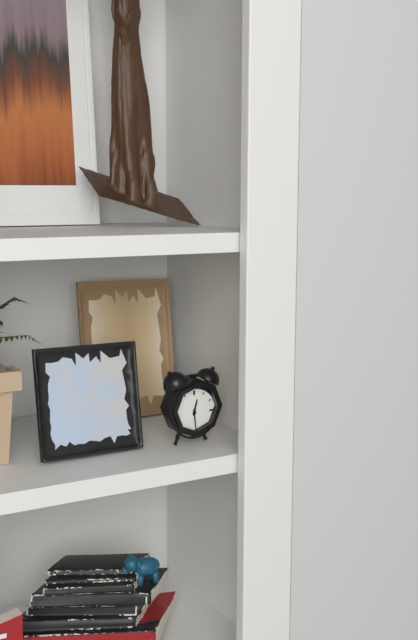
**12:29**
